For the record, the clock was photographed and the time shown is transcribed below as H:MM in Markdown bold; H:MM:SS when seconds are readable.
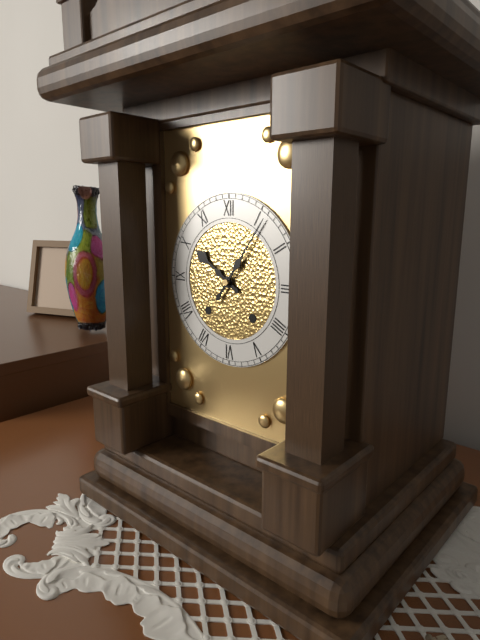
**10:06**
